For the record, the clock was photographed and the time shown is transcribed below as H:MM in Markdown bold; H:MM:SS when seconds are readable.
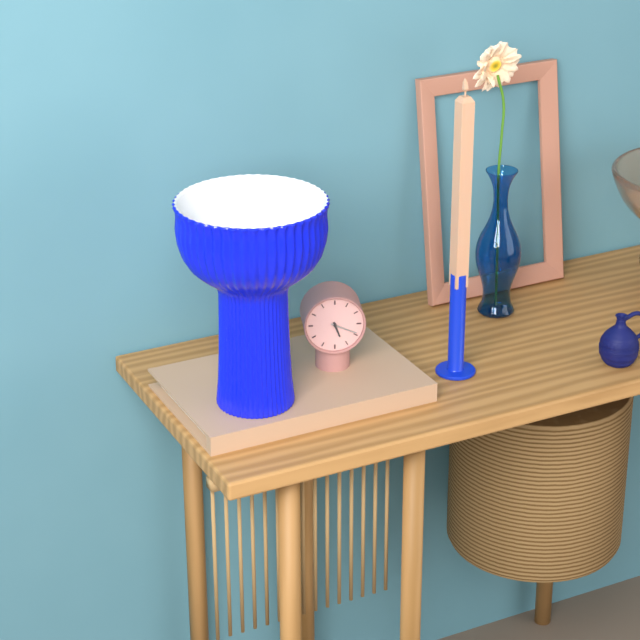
**5:19**
